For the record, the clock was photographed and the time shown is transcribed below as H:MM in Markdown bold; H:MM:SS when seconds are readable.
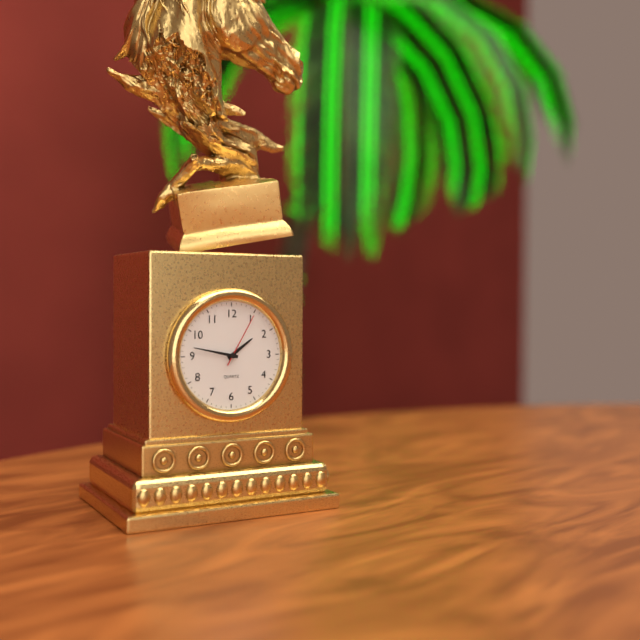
**1:47:05**
